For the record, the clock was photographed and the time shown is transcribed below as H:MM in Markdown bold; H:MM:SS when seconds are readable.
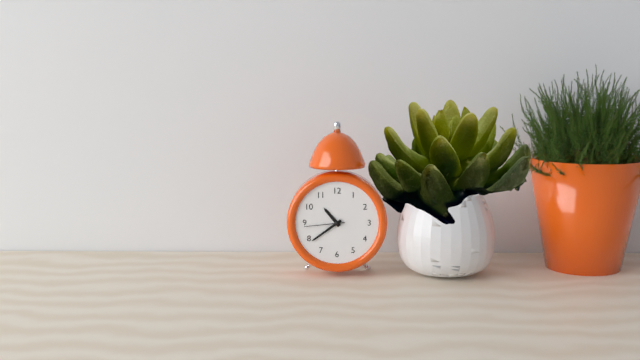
**10:39**
